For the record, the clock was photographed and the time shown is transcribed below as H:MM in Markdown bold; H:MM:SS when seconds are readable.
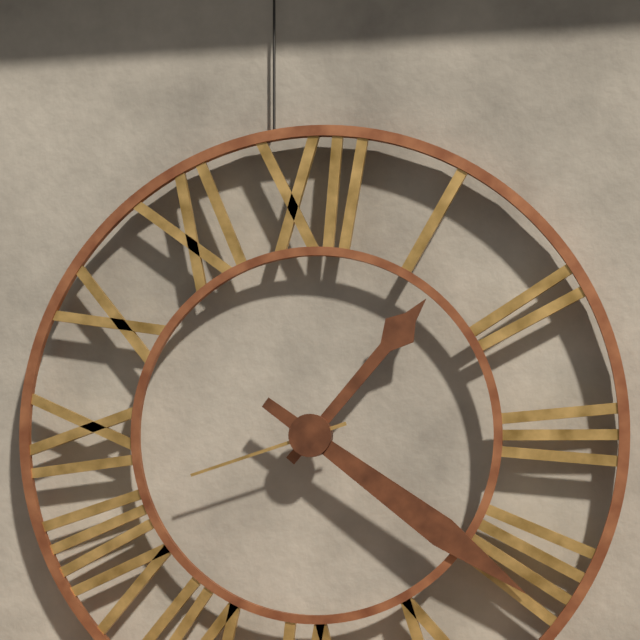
**1:21:42**
